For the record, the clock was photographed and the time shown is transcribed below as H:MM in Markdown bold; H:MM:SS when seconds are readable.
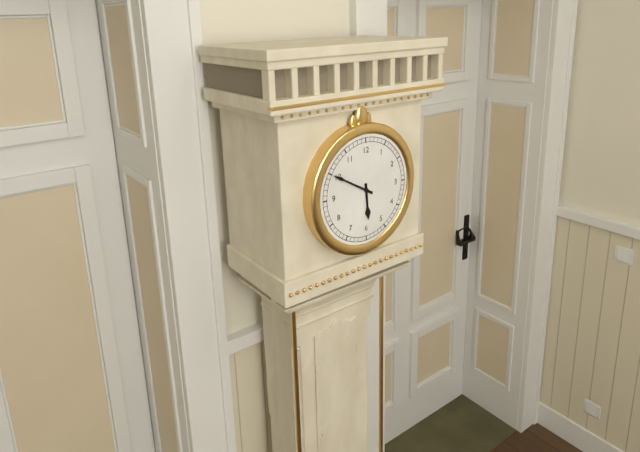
**5:50**
